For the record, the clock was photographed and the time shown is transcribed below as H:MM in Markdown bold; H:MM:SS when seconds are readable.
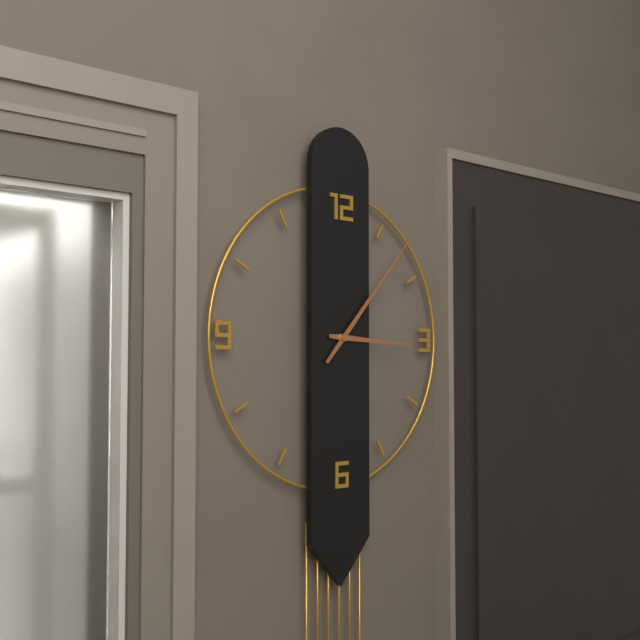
**3:07**
